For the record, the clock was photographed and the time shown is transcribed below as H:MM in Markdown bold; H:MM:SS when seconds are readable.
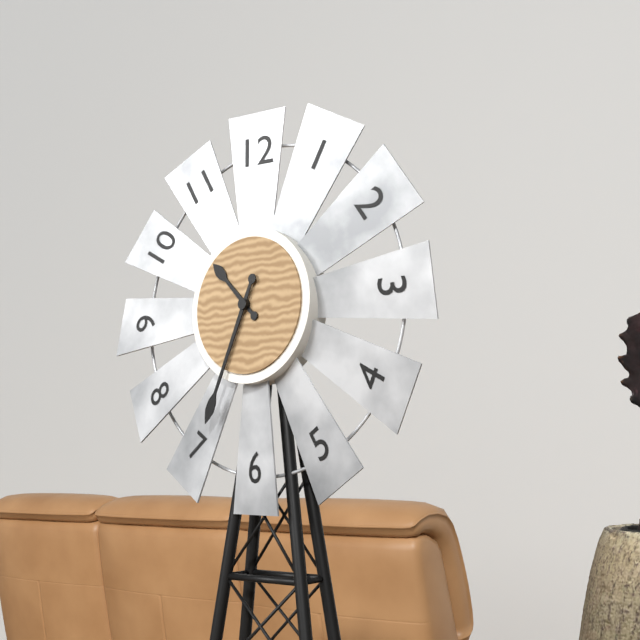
**10:34**
